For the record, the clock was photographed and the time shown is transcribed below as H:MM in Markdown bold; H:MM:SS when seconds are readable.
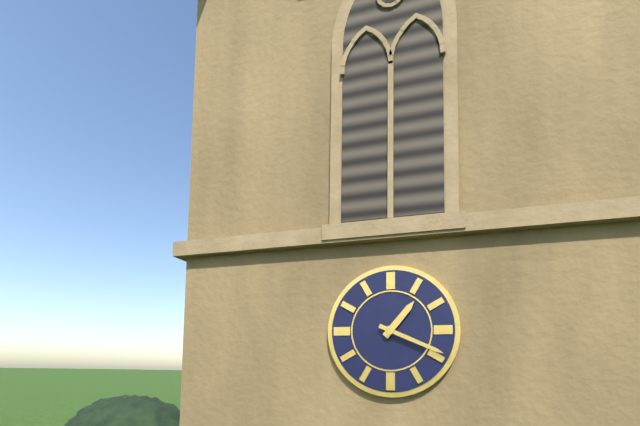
**1:19**
